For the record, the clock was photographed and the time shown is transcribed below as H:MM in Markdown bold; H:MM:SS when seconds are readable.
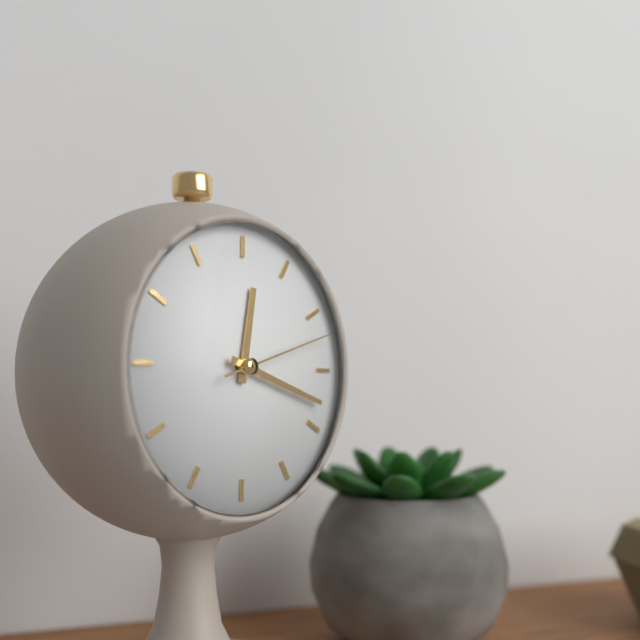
**12:18:12**
